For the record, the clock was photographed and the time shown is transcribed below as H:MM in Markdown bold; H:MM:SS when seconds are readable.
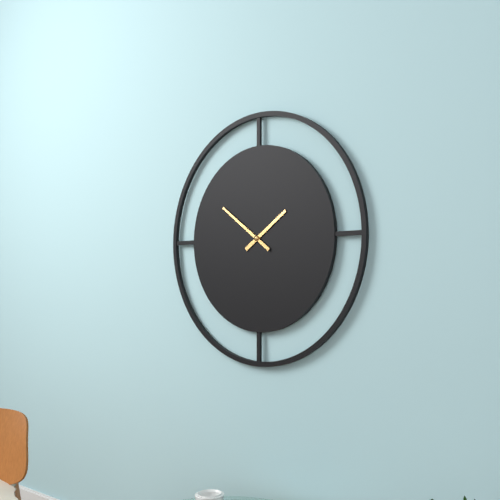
**1:51**
